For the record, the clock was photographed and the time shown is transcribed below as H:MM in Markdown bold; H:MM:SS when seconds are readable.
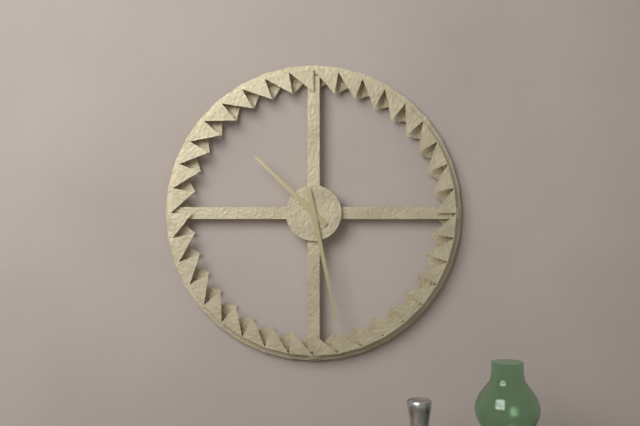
**10:28**
